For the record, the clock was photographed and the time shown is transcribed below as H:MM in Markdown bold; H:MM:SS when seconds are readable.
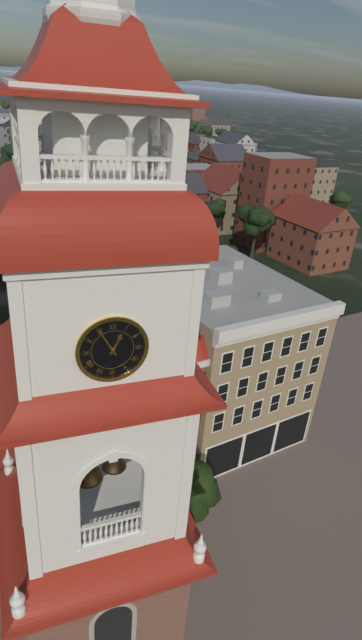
**12:55**
